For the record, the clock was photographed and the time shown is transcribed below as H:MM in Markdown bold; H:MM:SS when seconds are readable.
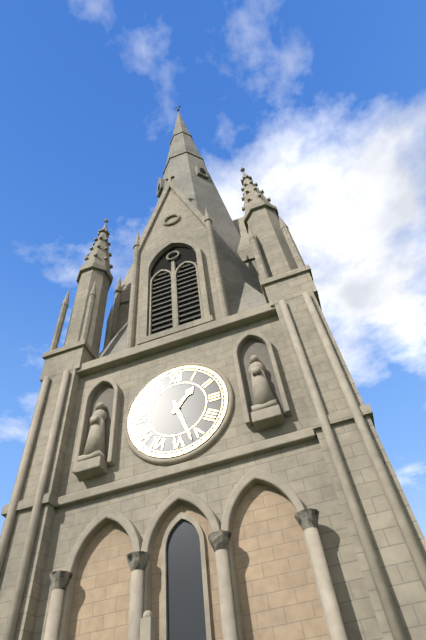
**1:27**
